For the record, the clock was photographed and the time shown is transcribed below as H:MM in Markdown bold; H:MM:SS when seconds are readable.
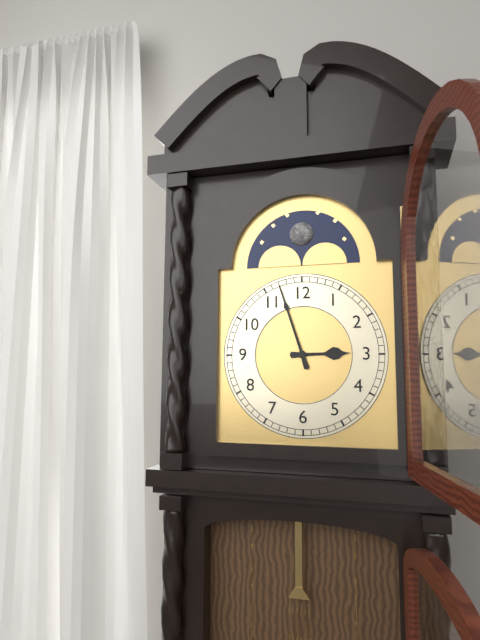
**2:57**
